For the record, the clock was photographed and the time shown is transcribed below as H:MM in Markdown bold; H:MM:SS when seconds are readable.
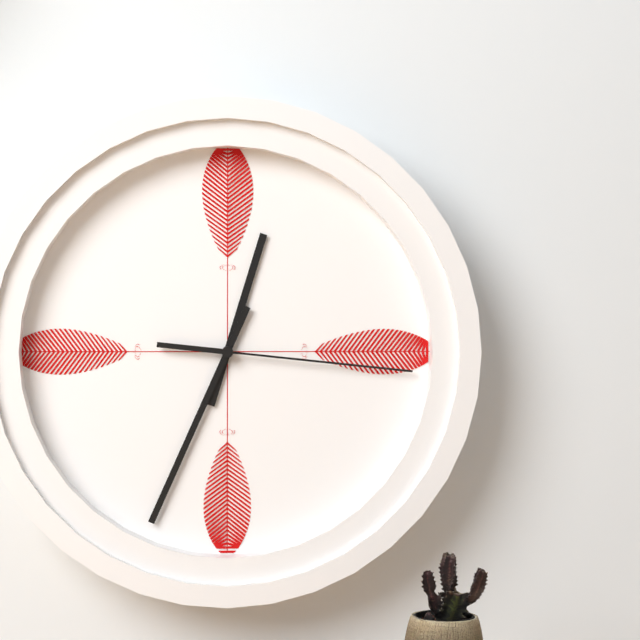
**12:34:16**
